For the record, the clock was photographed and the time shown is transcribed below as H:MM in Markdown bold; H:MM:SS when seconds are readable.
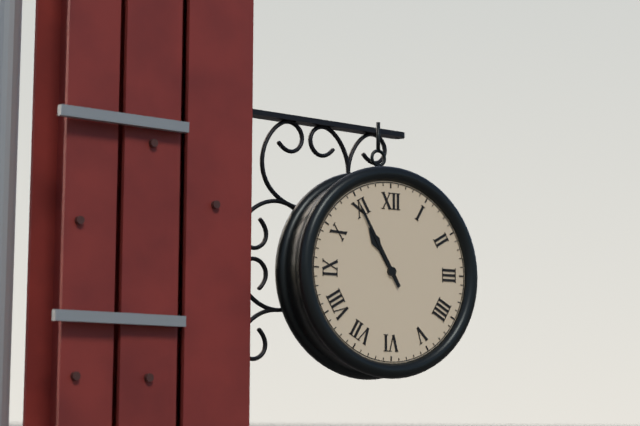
**10:55**
